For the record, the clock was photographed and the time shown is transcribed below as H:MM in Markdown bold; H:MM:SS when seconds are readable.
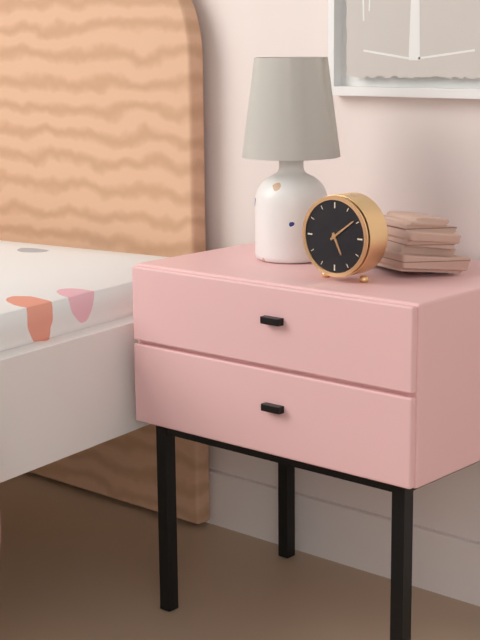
**5:09**
